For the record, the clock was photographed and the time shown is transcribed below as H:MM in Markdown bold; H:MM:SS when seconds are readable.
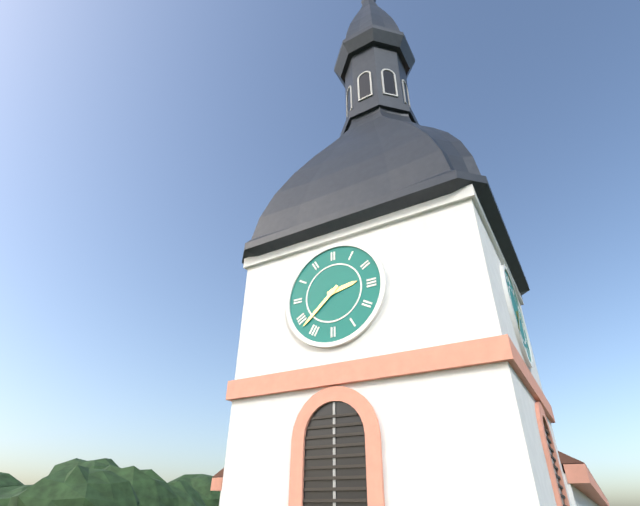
**2:38**
